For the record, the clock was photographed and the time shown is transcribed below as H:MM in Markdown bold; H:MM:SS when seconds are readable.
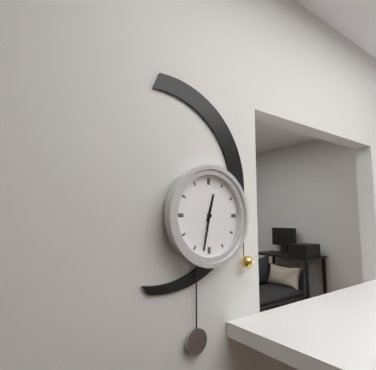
**12:32**
